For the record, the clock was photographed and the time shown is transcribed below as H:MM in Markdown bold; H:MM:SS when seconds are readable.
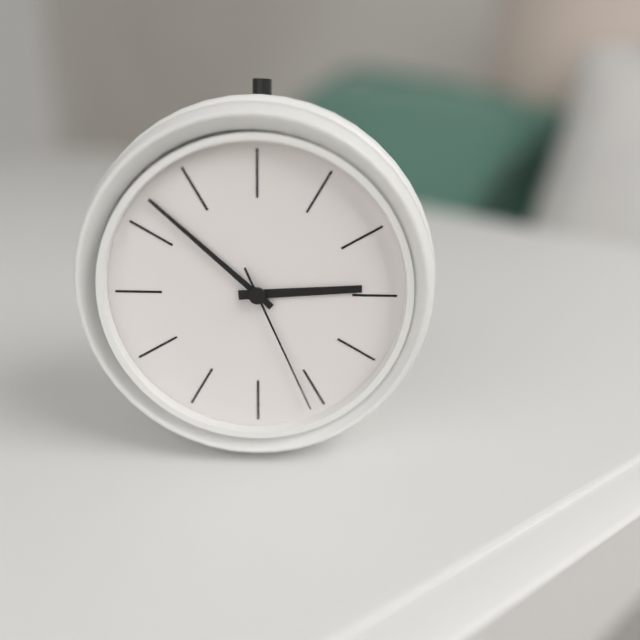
**2:52:26**
